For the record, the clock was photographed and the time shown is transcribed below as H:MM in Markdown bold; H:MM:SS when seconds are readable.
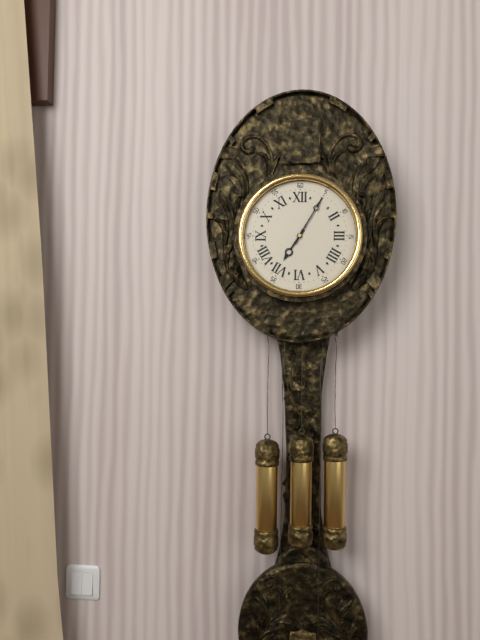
**7:05**
